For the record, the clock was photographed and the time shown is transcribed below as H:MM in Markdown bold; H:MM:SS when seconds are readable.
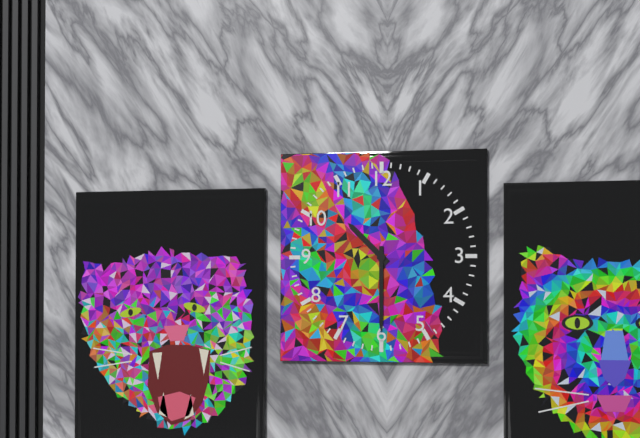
**10:30**
